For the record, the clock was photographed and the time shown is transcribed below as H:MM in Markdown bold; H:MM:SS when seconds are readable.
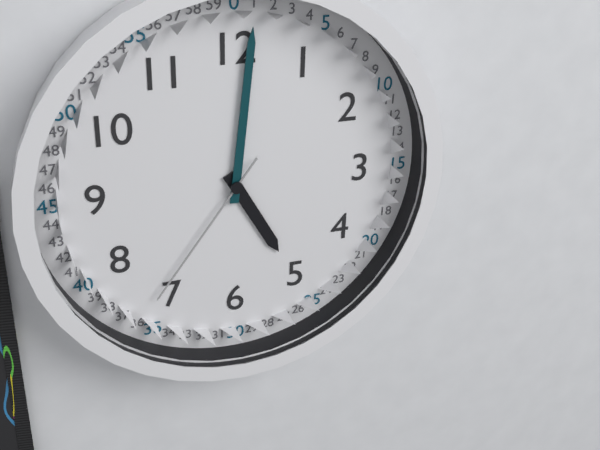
**5:01:36**
